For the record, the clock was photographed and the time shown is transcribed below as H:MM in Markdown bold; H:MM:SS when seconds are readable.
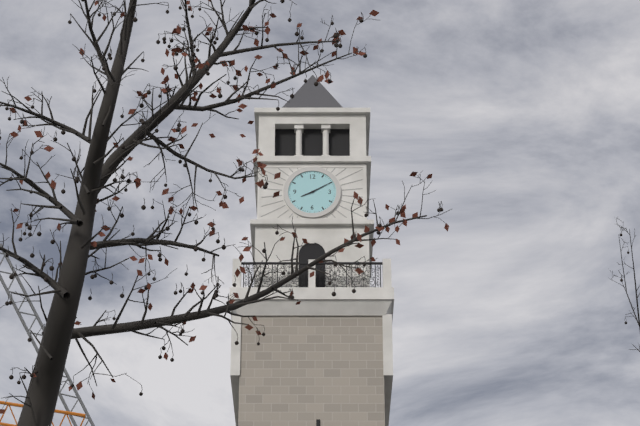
**8:10**
